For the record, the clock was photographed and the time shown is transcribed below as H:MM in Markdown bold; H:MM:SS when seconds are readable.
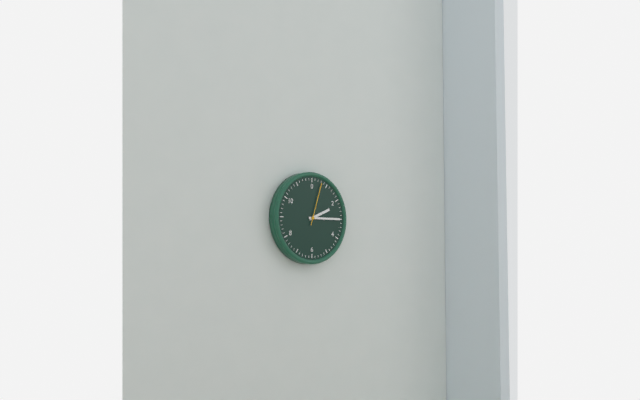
**2:15**
